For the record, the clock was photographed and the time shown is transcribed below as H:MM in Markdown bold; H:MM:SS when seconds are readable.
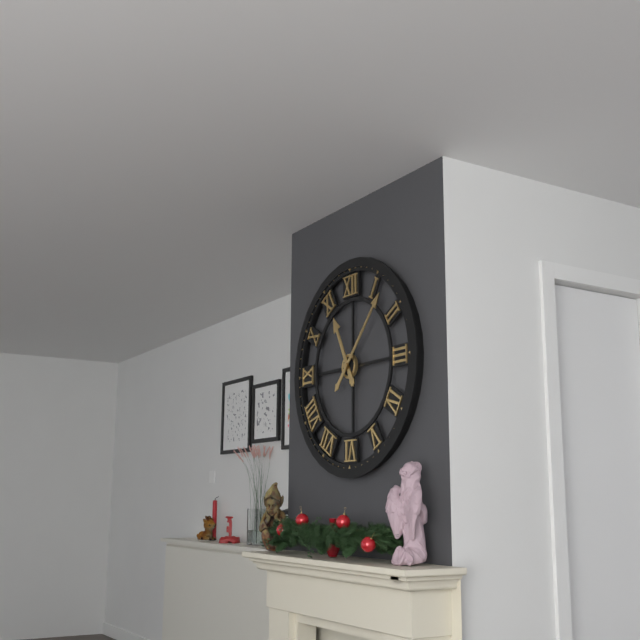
**11:07**
